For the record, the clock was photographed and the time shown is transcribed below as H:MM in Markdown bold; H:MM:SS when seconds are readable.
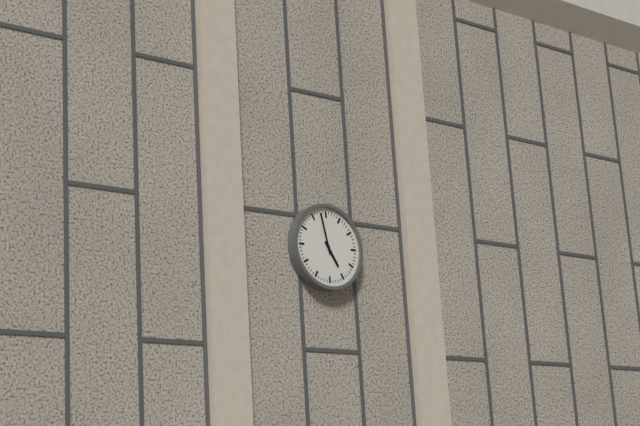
**4:58**
